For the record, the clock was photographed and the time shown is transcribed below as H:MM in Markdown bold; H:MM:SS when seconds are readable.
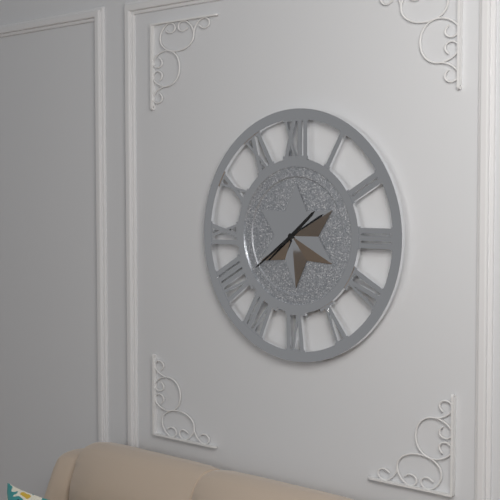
**1:39**
